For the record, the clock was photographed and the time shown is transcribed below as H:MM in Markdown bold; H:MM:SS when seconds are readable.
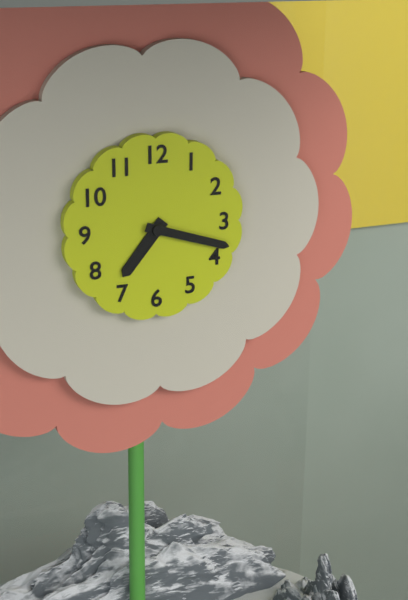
**7:18**
